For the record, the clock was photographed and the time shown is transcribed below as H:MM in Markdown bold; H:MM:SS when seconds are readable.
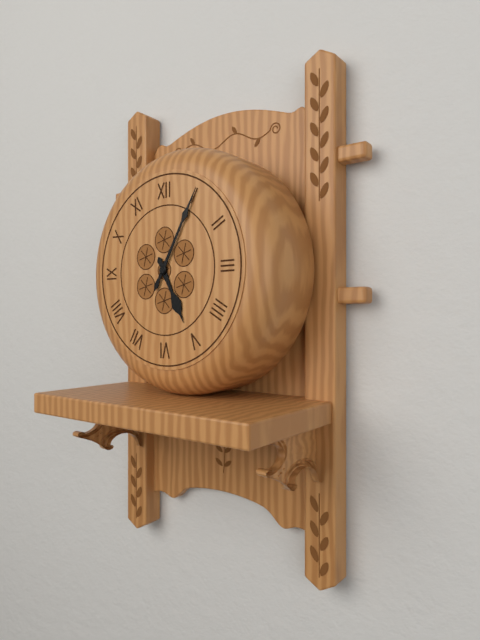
**5:05**
